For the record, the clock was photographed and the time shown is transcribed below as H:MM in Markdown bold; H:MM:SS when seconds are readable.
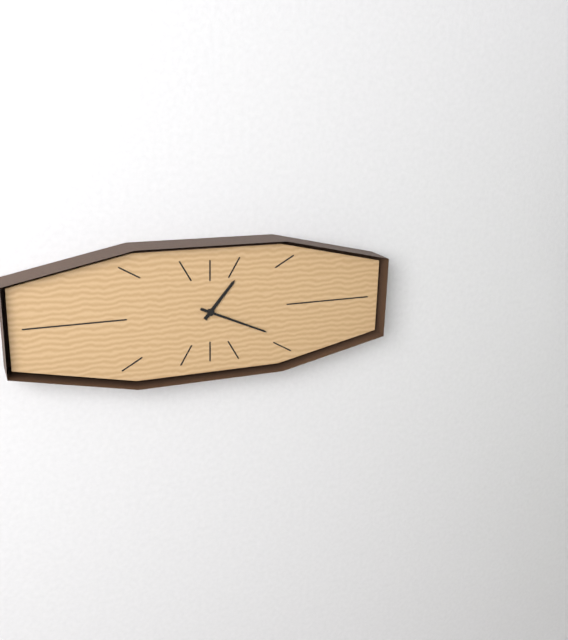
**1:19**
